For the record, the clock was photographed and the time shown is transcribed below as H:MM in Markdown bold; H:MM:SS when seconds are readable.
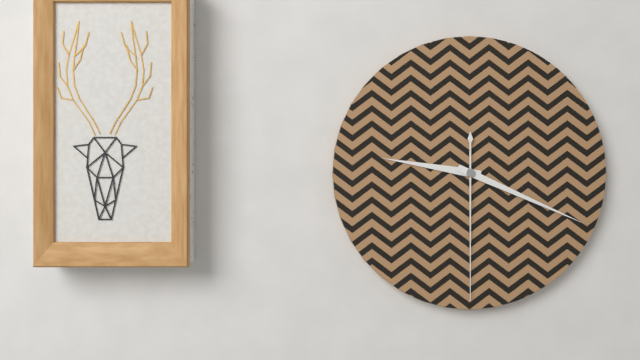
**9:19:30**
